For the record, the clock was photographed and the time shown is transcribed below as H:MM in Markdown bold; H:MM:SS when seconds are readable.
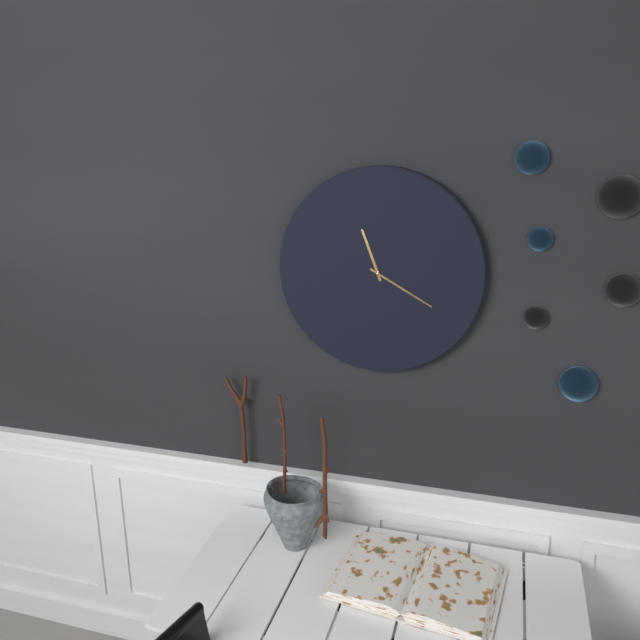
**11:20**
